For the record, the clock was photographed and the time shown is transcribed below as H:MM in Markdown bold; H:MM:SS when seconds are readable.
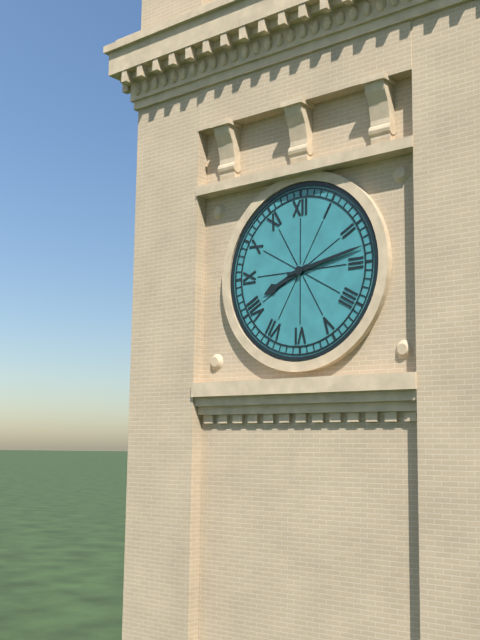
**8:13**
